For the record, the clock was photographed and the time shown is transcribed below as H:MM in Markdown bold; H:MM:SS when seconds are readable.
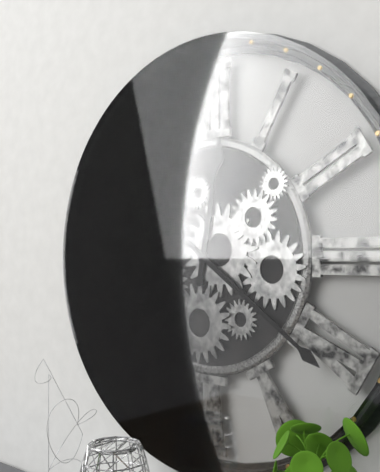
**12:21**
